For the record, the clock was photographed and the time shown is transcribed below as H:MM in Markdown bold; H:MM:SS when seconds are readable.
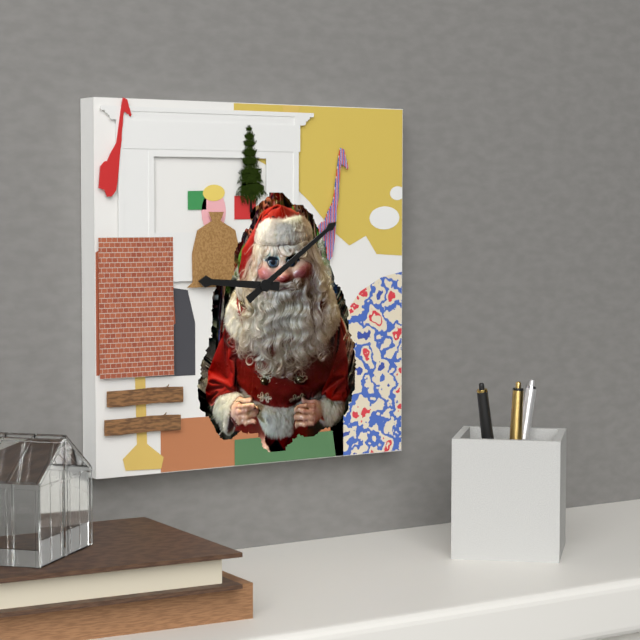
**9:09**
